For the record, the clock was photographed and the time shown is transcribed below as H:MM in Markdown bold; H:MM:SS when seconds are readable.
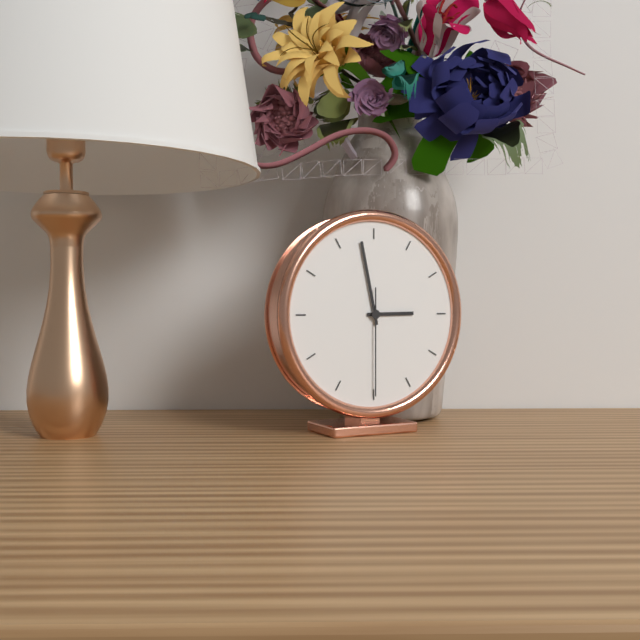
**2:58:30**
